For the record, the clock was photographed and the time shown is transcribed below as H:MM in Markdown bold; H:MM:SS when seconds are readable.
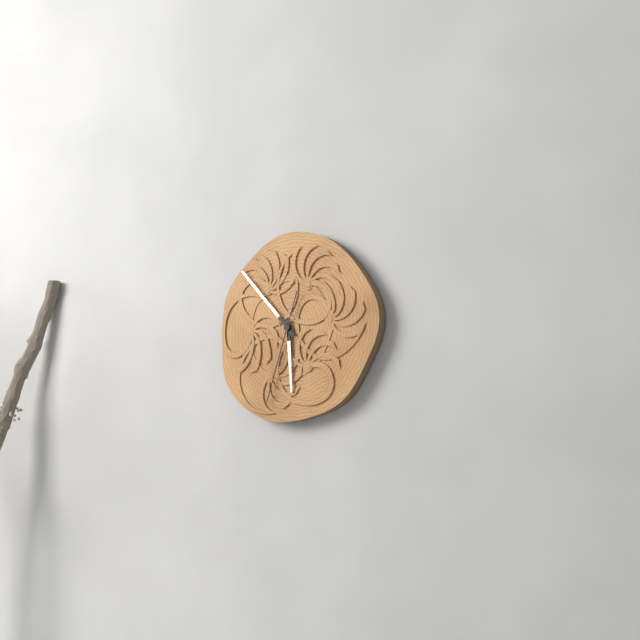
**5:53:33**
